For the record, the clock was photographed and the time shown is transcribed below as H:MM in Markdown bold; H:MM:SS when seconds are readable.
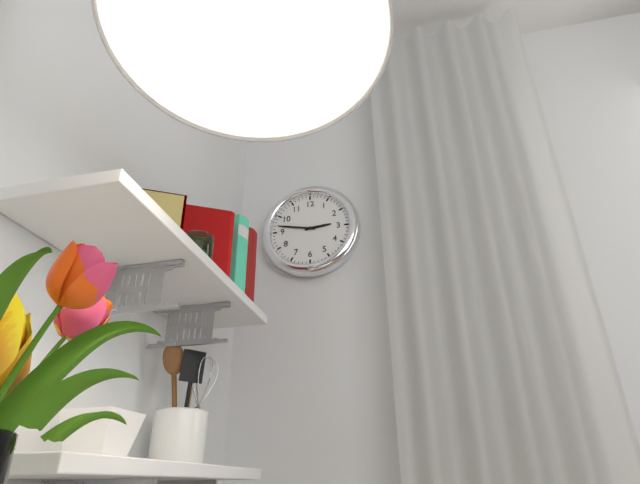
**2:47**
